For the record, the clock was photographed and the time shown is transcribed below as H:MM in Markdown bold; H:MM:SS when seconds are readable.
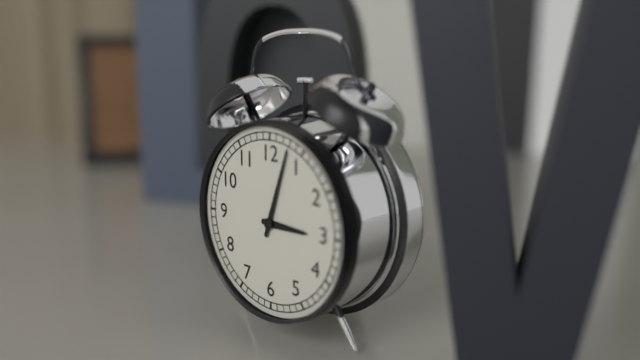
**3:03**
